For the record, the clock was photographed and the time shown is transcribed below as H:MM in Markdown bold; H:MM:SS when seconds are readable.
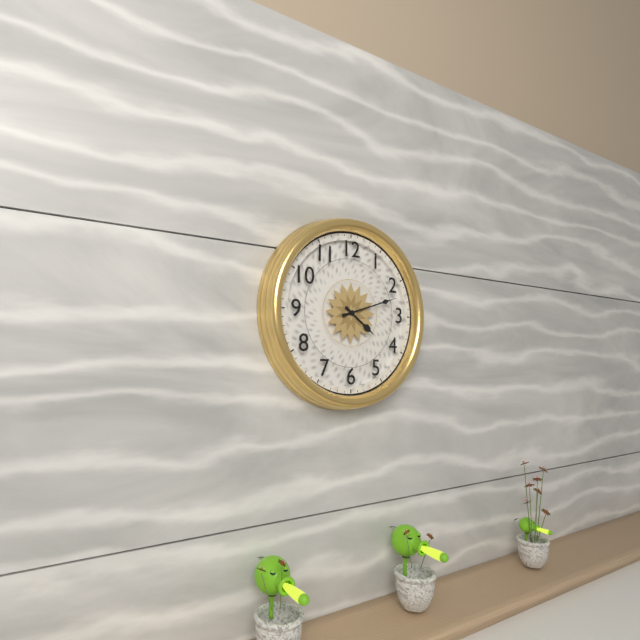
**4:12**
